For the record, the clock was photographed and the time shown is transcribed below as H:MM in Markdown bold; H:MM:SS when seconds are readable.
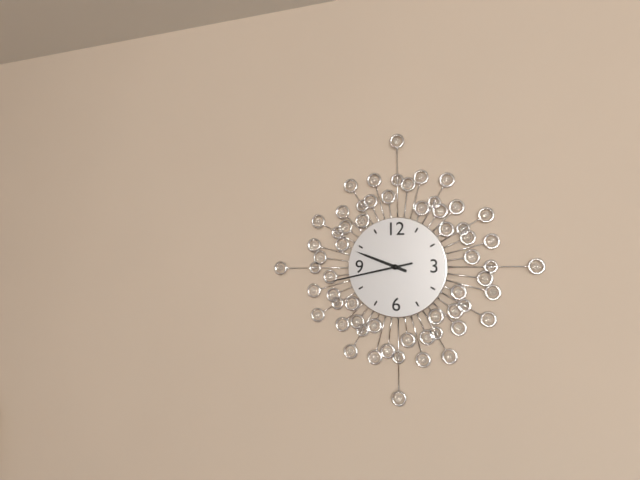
**9:43**
